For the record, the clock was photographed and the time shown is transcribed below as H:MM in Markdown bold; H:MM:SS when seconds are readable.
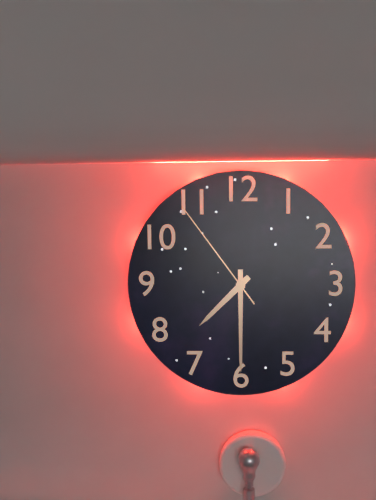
**7:30:54**
